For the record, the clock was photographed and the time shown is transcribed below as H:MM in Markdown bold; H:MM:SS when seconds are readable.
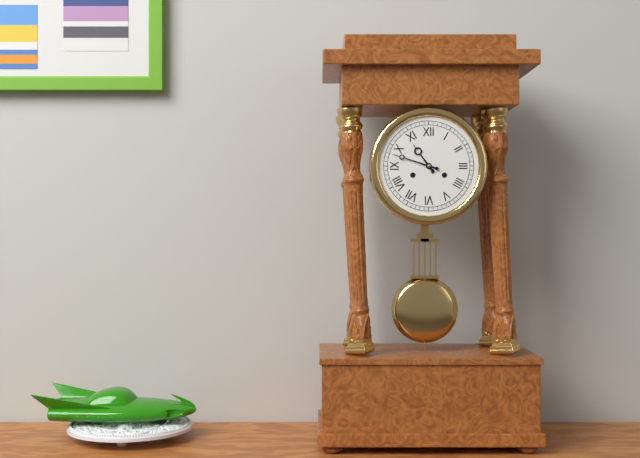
**10:48**
